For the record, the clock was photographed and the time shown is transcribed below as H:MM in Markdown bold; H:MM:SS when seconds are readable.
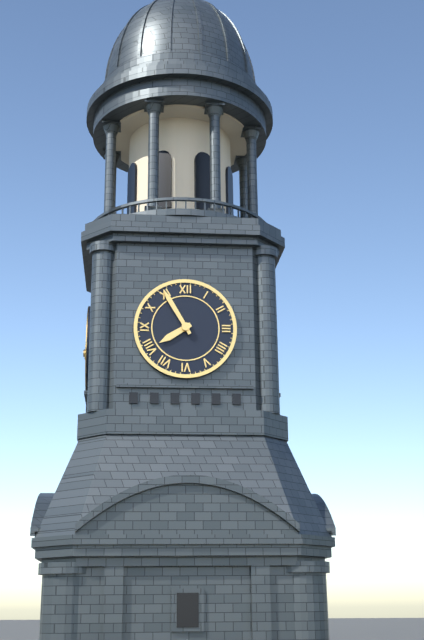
**7:55**
